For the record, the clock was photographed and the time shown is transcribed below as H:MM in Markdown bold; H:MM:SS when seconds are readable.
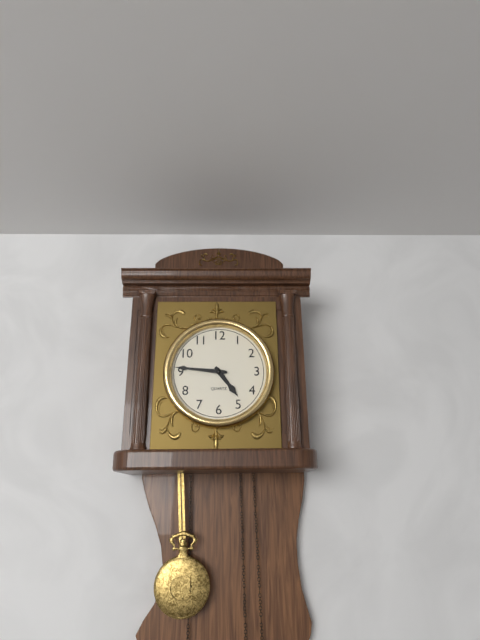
**4:46**
